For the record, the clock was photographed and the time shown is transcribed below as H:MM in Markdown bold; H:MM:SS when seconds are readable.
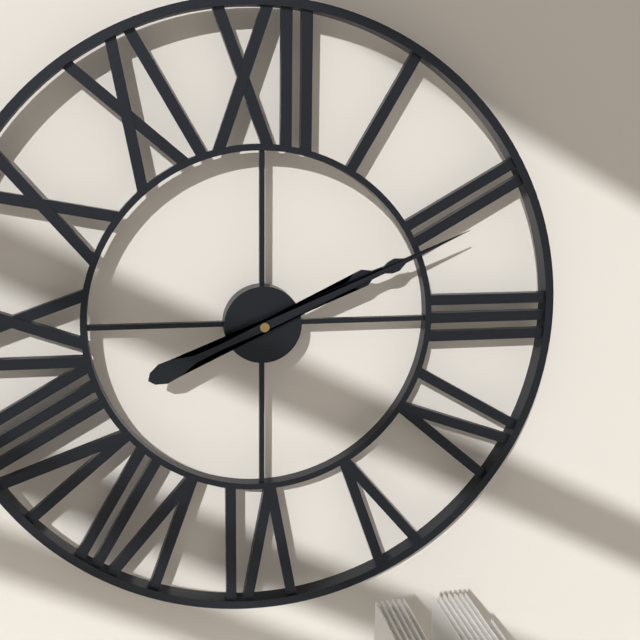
**2:11**
